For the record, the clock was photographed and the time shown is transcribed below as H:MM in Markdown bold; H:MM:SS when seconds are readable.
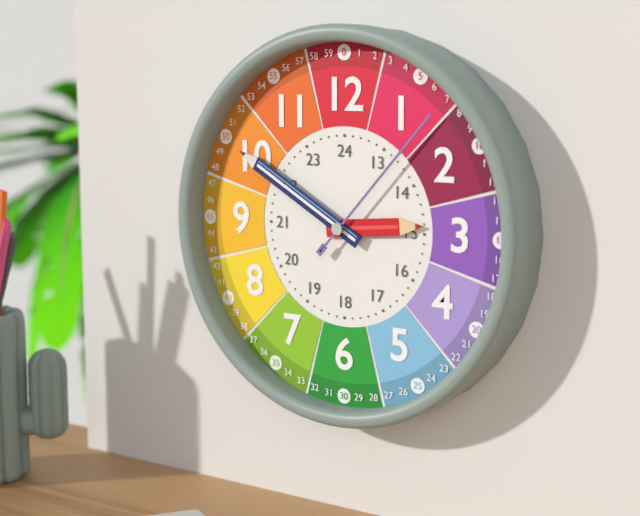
**2:50:07**
